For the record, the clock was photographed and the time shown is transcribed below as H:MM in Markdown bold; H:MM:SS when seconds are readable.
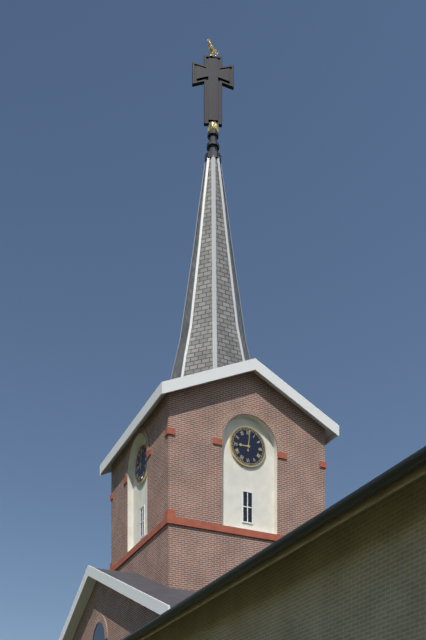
**9:01**
